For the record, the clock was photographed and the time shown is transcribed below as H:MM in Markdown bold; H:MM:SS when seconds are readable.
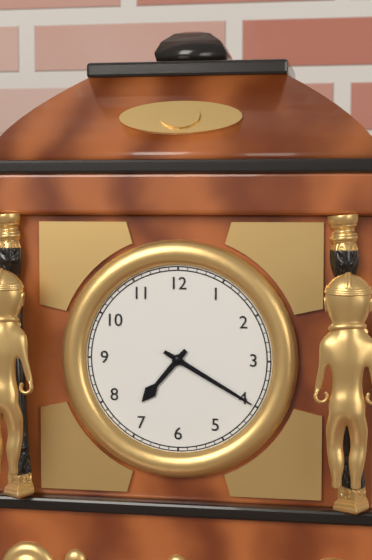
**7:20**
